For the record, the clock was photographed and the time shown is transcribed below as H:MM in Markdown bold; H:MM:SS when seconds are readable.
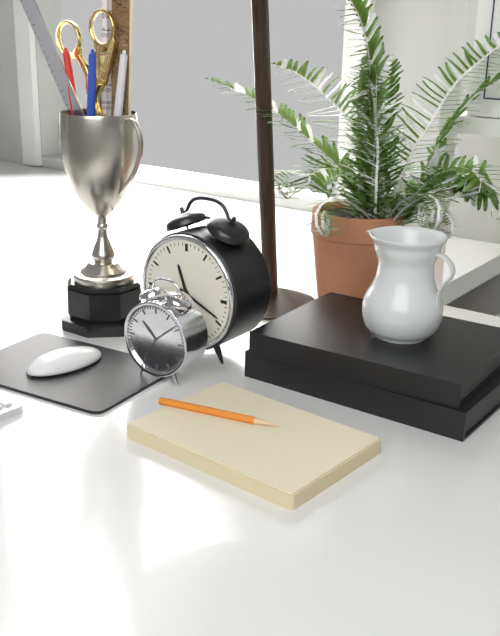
**11:19**
